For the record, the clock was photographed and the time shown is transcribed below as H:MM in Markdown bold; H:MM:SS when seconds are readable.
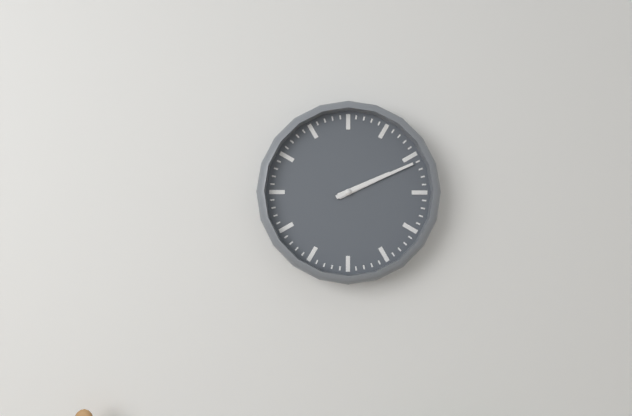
**2:11**
